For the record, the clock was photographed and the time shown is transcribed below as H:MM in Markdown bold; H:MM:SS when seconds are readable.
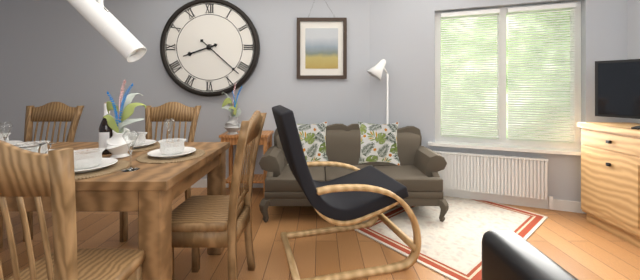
**8:22**
